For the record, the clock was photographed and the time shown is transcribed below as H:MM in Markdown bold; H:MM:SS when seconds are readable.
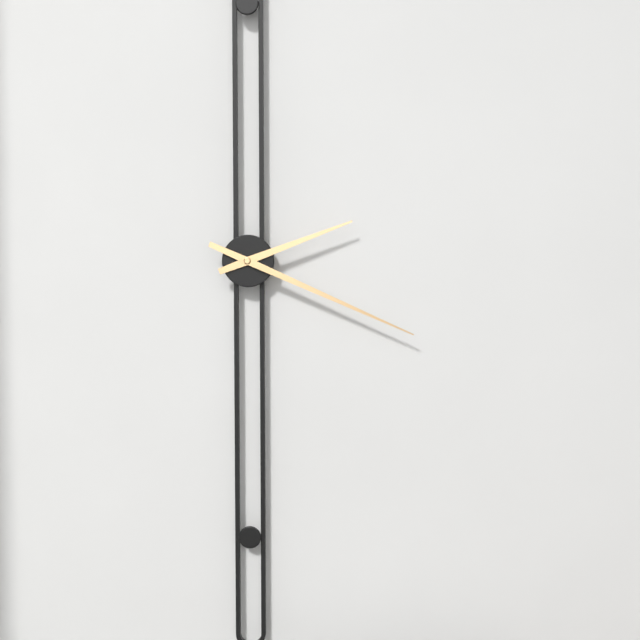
**2:19**
